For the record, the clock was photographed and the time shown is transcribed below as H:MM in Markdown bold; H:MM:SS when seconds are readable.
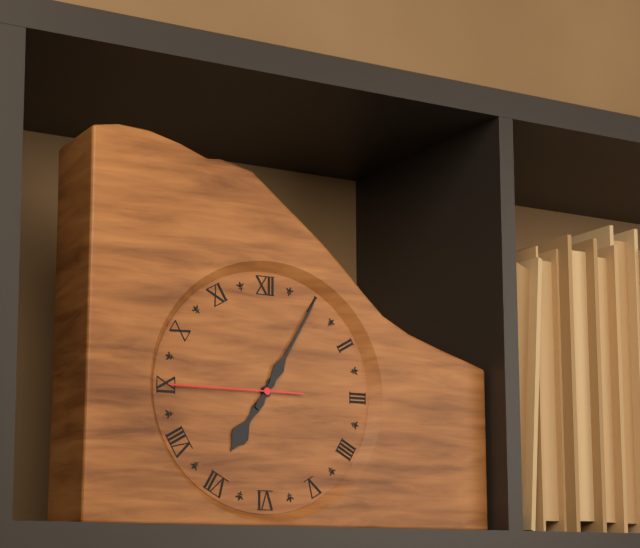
**7:05:45**
